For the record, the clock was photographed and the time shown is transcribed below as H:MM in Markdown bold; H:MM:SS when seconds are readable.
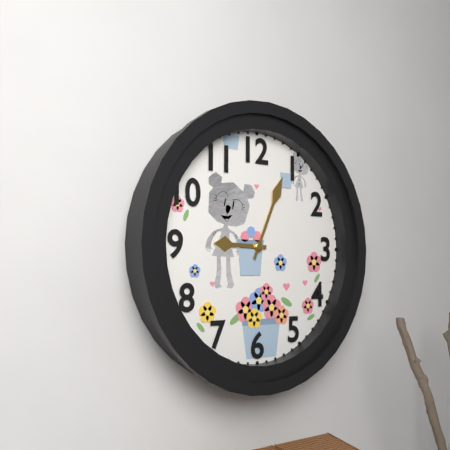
**9:04**
